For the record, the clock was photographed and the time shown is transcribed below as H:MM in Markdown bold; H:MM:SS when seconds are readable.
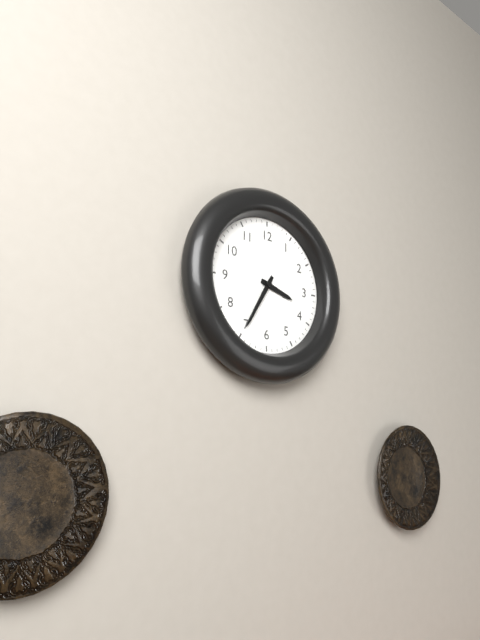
**3:35**
